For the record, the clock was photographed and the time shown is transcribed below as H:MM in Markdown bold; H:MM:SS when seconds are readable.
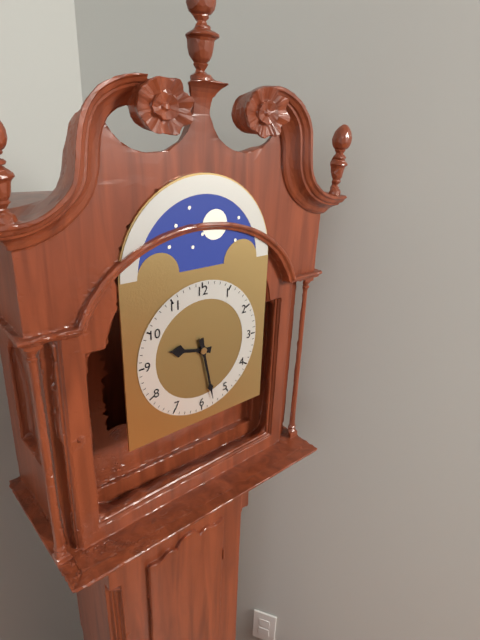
**9:28**
